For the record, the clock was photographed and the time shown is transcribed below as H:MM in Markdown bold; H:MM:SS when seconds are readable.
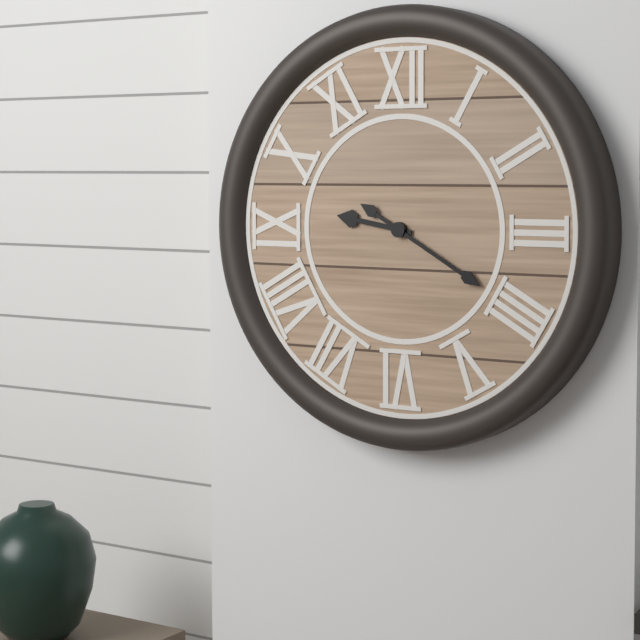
**9:20**
